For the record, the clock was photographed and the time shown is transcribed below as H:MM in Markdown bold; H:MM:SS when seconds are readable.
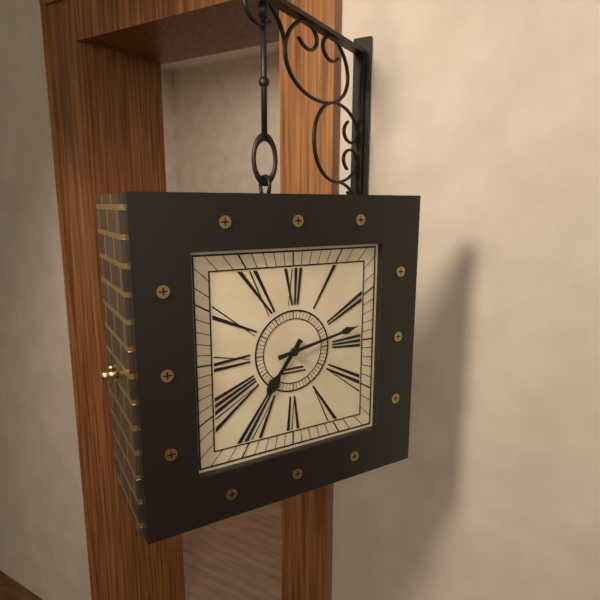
**7:13**
